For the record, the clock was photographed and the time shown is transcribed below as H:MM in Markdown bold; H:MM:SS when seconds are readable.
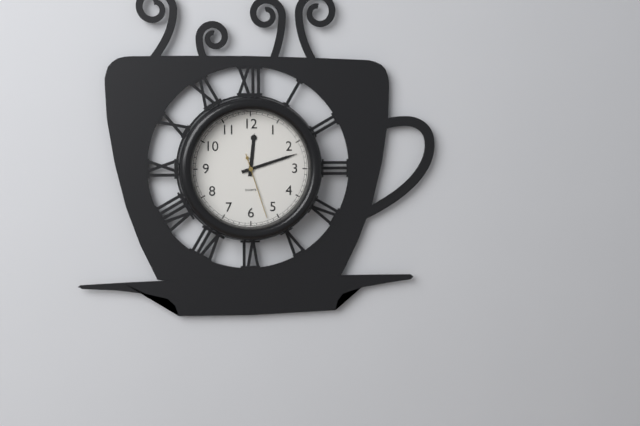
**12:12:27**
